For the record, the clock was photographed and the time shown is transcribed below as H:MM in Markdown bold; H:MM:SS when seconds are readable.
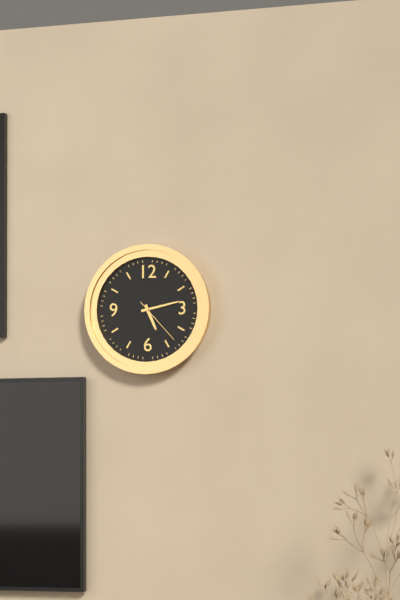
**5:13:23**
